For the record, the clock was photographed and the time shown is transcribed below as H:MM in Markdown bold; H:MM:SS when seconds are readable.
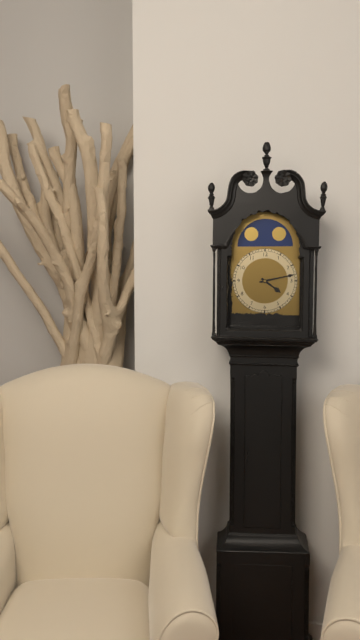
**4:13**
